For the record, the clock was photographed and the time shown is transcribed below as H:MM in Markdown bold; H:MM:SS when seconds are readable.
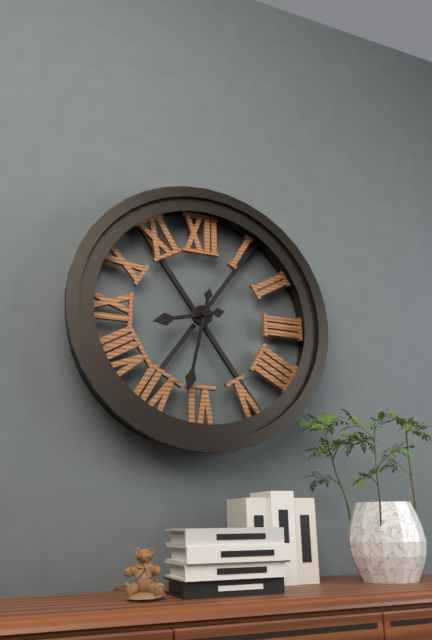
**8:32**
